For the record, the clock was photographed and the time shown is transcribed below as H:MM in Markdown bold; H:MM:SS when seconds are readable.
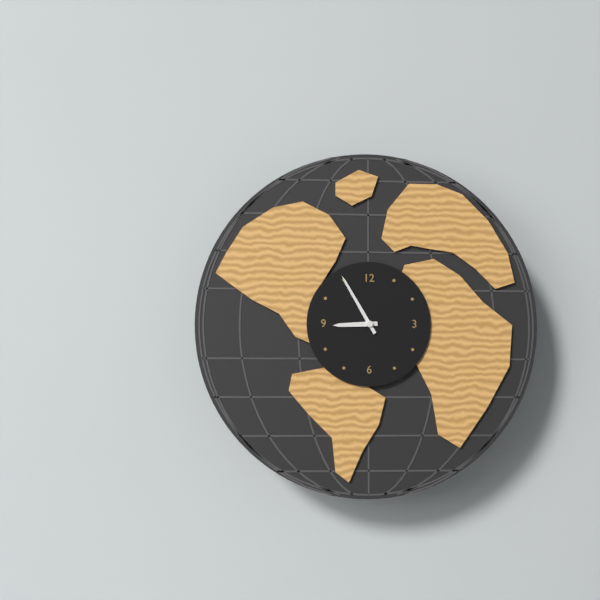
**8:55**
